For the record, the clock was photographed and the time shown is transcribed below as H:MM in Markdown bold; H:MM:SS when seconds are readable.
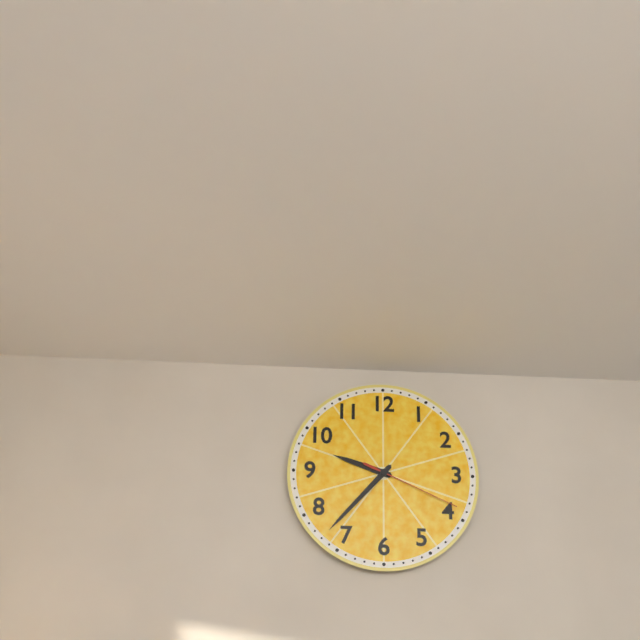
**9:37:19**
